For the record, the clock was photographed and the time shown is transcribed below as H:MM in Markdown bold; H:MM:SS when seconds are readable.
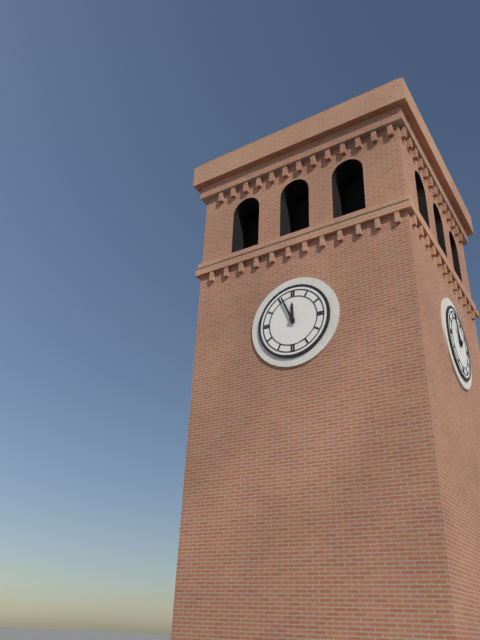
**11:56**
